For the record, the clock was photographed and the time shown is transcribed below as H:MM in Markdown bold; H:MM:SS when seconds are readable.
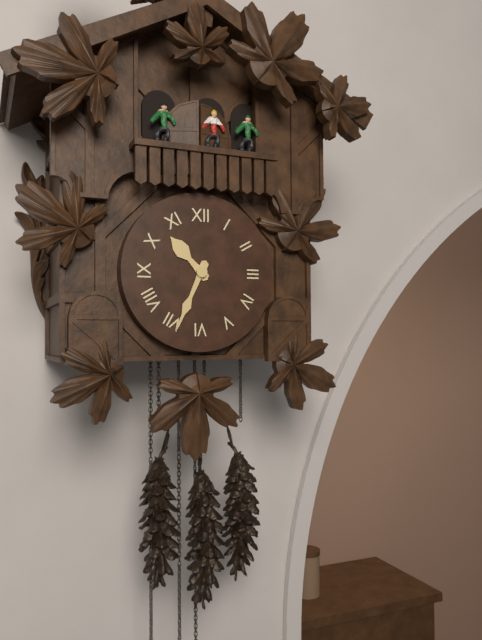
**10:34**
